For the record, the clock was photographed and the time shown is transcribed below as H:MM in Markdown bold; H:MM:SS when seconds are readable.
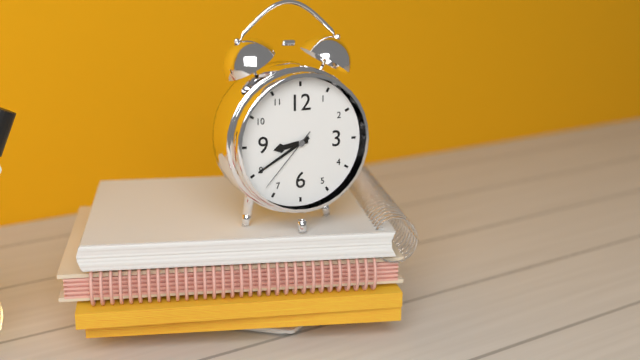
**8:40:37**
